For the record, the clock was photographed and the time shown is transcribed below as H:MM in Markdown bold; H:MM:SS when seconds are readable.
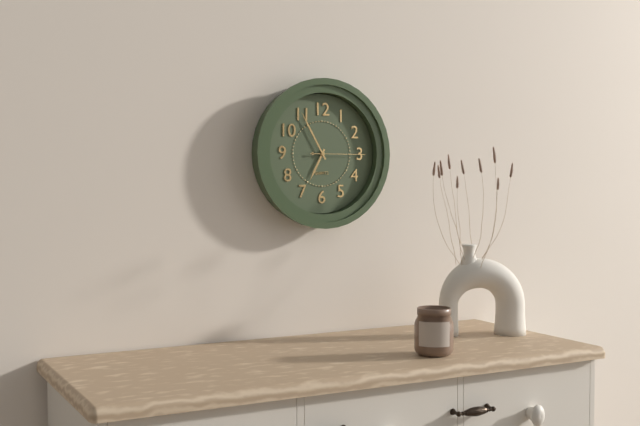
**6:55:15**
